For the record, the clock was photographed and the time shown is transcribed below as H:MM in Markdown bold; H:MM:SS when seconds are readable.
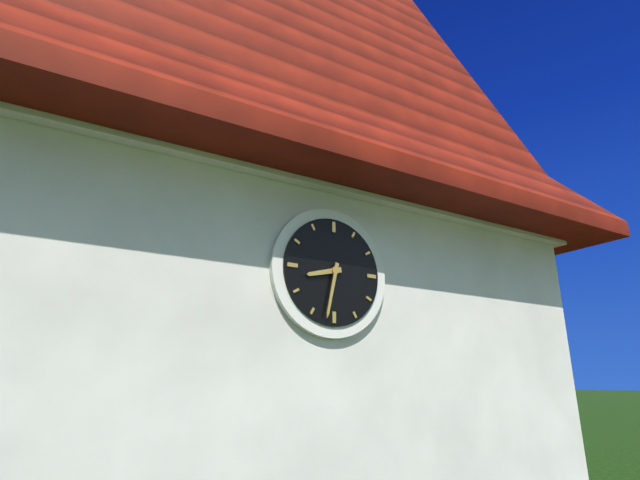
**8:32**
